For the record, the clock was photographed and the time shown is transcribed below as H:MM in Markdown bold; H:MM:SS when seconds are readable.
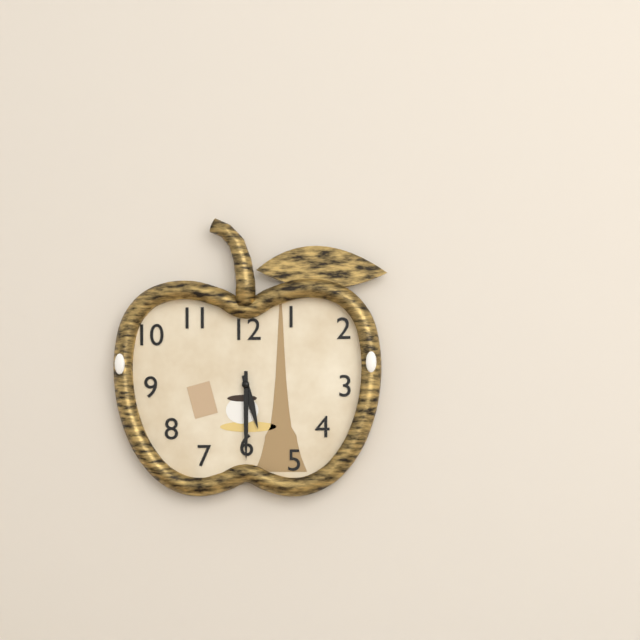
**5:30**
